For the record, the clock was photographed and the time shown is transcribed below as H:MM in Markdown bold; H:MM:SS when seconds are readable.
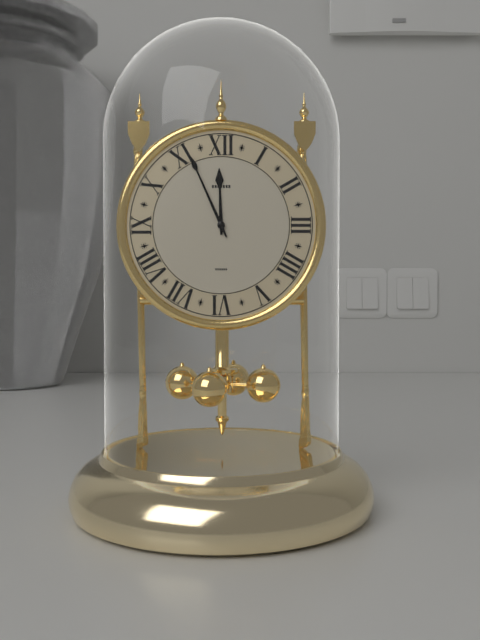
**11:56**
